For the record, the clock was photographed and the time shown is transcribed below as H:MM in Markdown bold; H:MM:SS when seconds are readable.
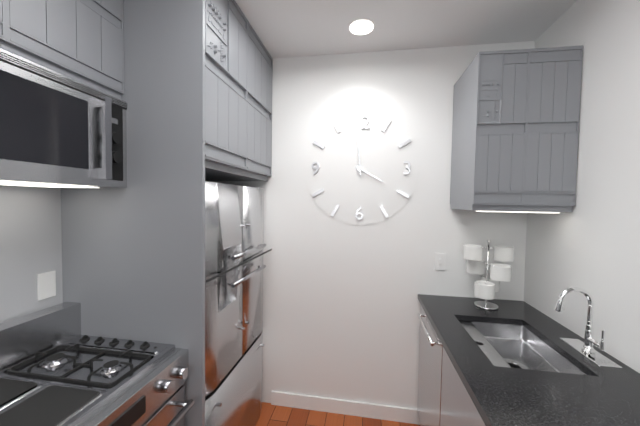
**3:59**
